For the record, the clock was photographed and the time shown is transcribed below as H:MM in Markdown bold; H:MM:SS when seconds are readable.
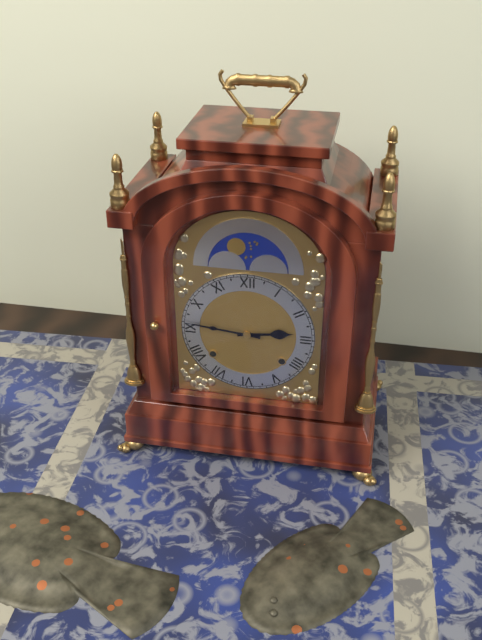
**2:46**
